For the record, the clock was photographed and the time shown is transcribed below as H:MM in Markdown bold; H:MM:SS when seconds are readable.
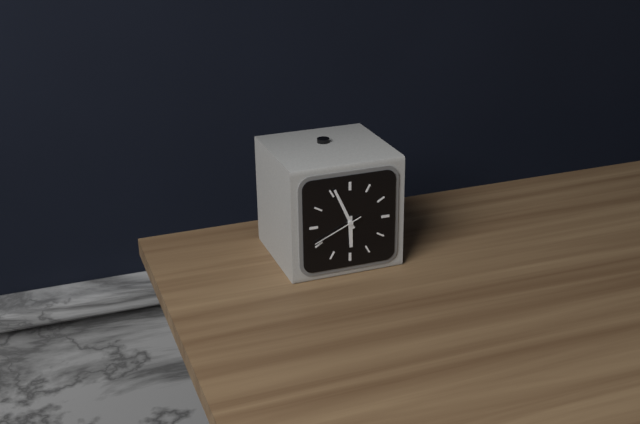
**5:56:41**
